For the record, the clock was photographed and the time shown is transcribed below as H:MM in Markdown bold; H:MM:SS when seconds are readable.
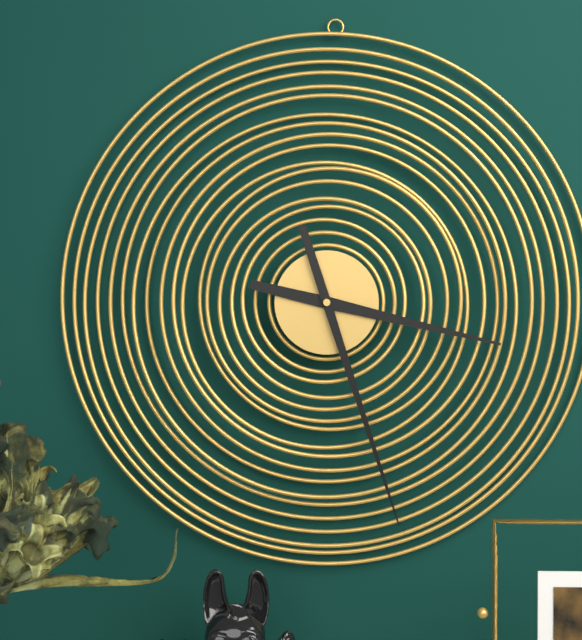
**3:27**
